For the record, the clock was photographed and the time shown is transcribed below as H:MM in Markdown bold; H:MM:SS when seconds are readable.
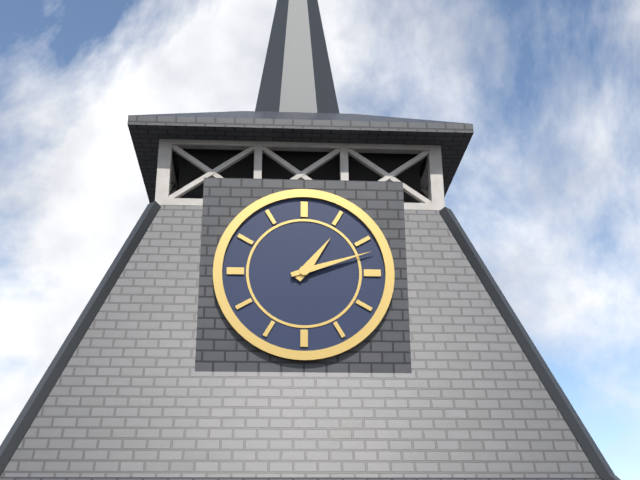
**1:12**
